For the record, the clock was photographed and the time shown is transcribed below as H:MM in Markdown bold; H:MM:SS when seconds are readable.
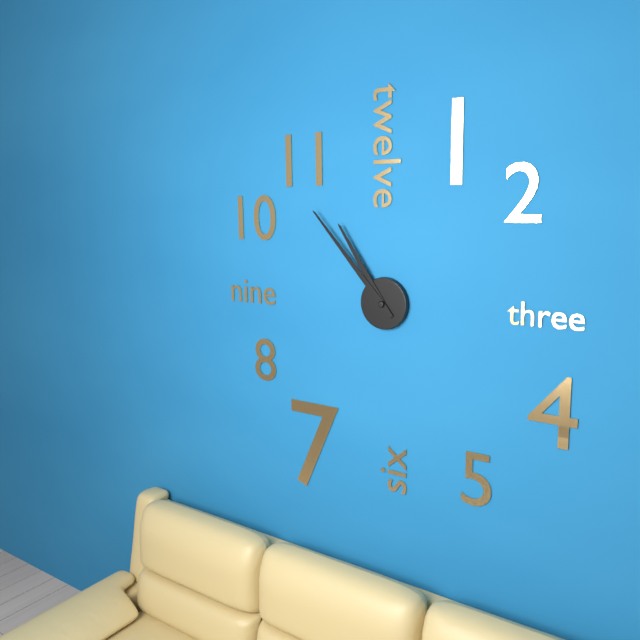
**10:53**
